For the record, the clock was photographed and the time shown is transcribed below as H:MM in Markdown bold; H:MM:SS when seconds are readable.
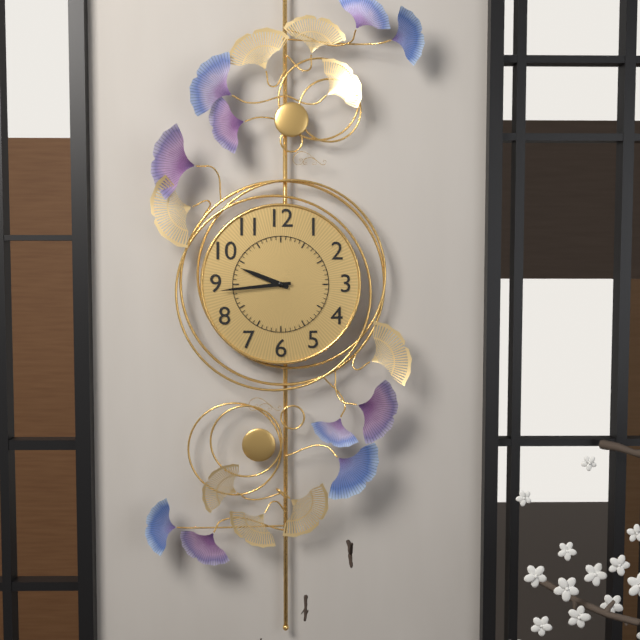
**9:44**
